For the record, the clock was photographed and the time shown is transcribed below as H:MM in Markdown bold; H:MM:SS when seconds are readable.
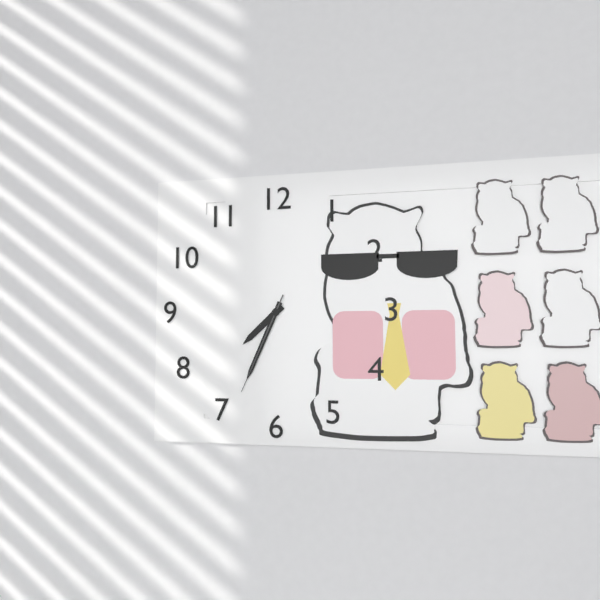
**7:34:34**
